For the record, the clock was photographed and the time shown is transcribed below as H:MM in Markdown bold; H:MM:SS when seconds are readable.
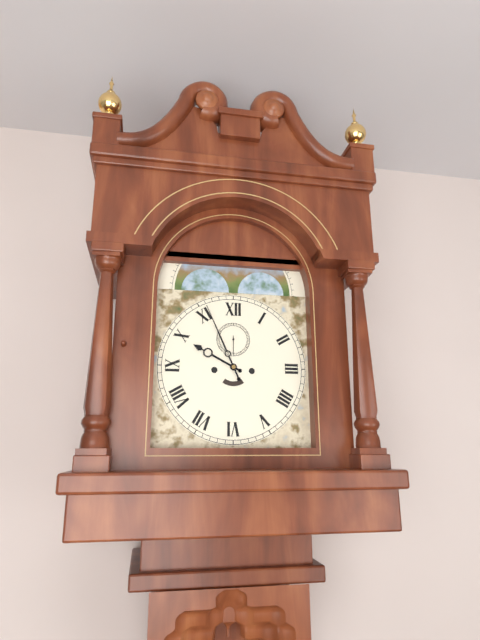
**9:56**
